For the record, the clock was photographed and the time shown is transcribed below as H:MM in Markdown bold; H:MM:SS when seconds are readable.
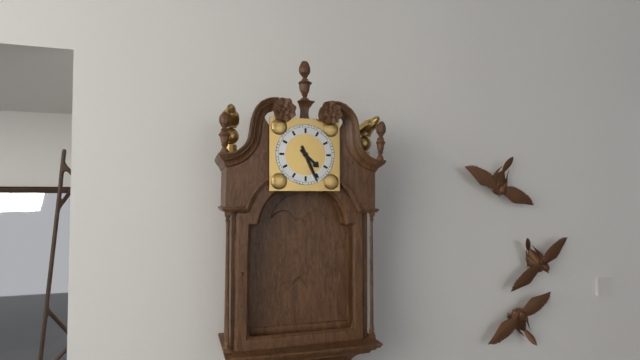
**4:26**
